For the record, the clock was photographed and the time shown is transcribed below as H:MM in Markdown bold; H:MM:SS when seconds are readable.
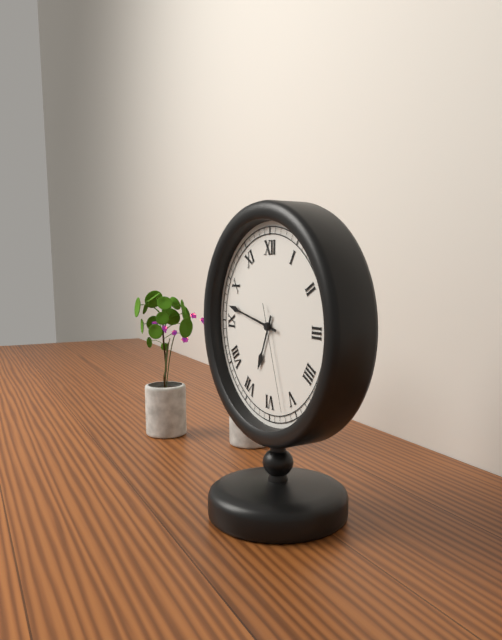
**6:47:27**
